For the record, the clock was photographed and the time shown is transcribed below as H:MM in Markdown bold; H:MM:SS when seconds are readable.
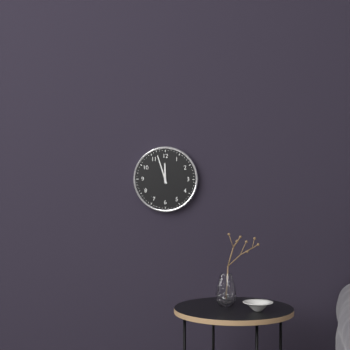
**11:57**
